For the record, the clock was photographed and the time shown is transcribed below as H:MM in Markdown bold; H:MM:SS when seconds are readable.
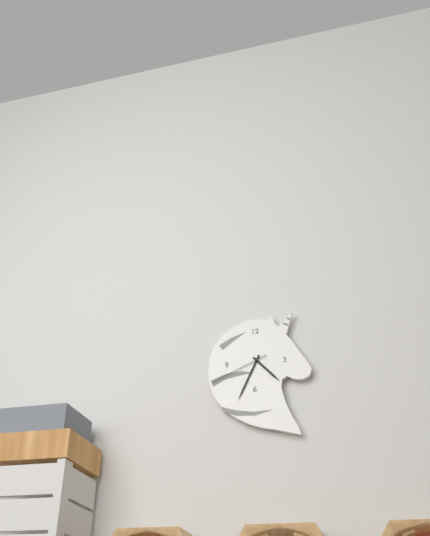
**4:34:41**
